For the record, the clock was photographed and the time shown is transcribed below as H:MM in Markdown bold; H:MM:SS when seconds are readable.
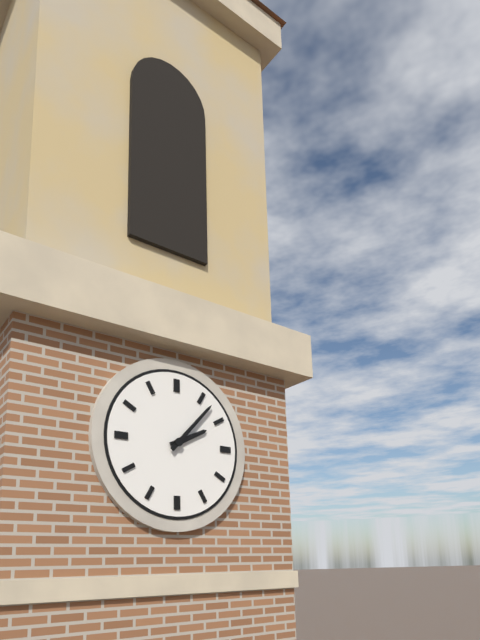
**2:07**
